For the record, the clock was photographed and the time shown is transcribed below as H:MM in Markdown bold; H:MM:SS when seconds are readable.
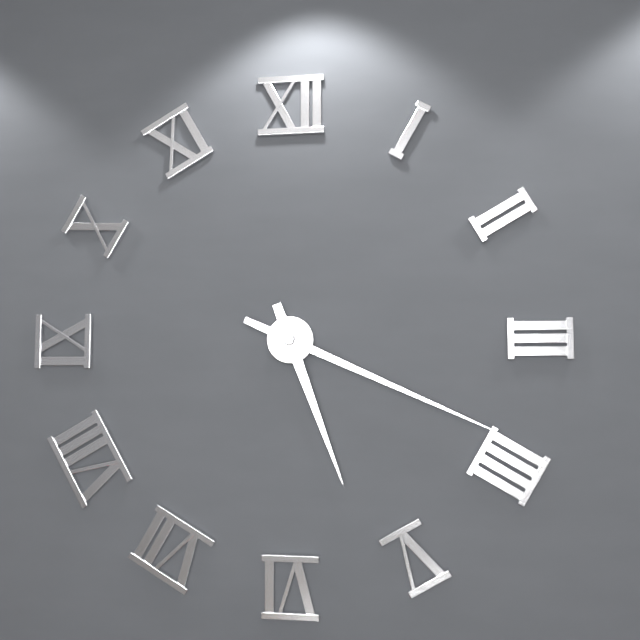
**5:19**
